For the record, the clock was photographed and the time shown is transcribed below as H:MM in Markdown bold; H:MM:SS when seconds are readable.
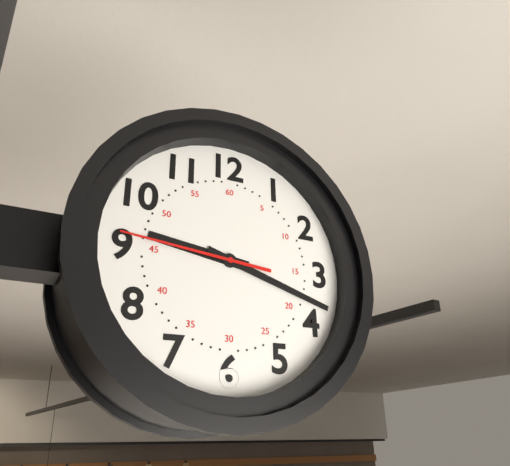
**9:18:46**
